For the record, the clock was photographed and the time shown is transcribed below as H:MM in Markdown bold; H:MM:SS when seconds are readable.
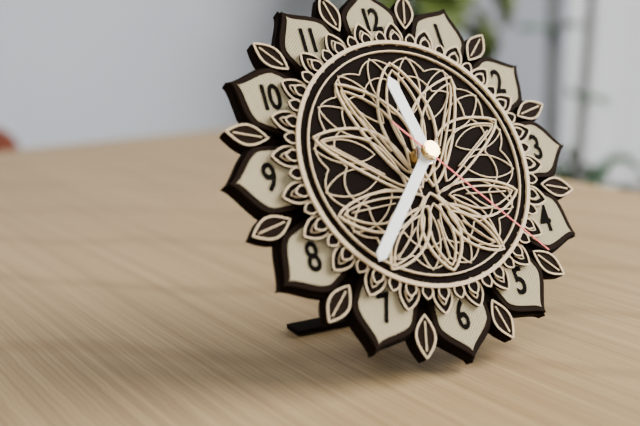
**11:37:23**
